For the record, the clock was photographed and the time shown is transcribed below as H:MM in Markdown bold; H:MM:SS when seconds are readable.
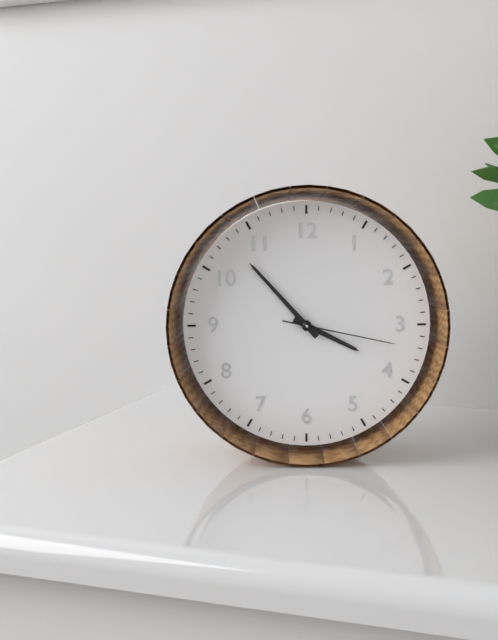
**3:53:17**
